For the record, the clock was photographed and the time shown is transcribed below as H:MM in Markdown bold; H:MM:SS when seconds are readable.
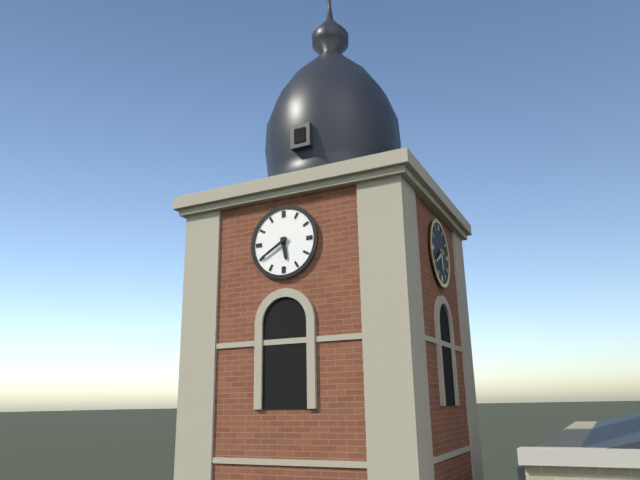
**5:40**
